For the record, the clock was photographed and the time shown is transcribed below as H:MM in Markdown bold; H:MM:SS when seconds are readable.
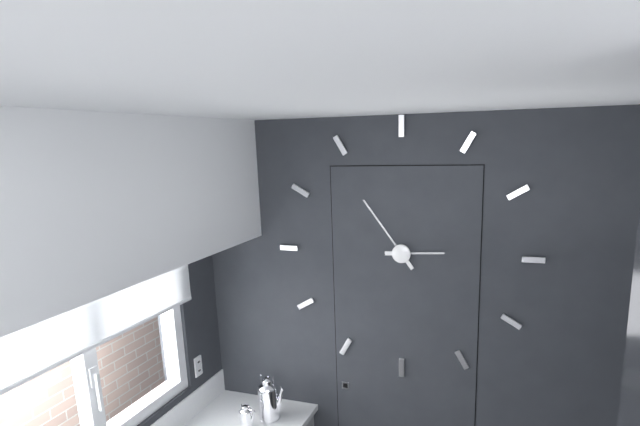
**2:54**
